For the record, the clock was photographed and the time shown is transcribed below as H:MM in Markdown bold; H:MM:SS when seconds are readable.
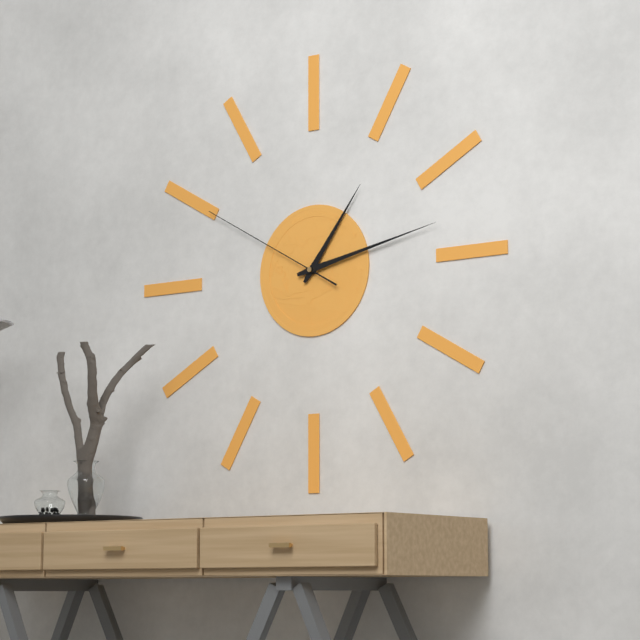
**1:13:50**
